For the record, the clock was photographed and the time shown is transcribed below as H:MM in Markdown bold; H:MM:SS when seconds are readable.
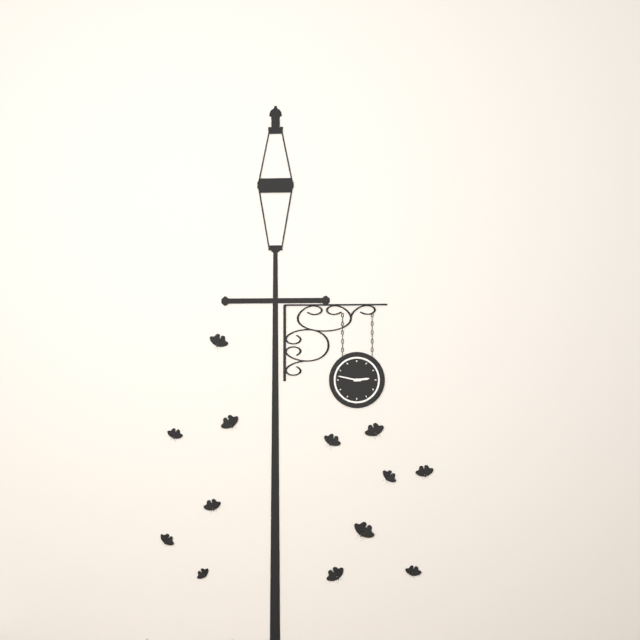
**2:47**
